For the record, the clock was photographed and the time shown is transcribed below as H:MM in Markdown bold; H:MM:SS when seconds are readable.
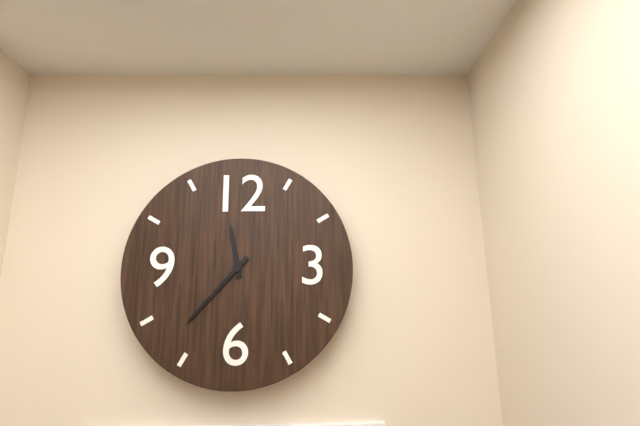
**11:37**
